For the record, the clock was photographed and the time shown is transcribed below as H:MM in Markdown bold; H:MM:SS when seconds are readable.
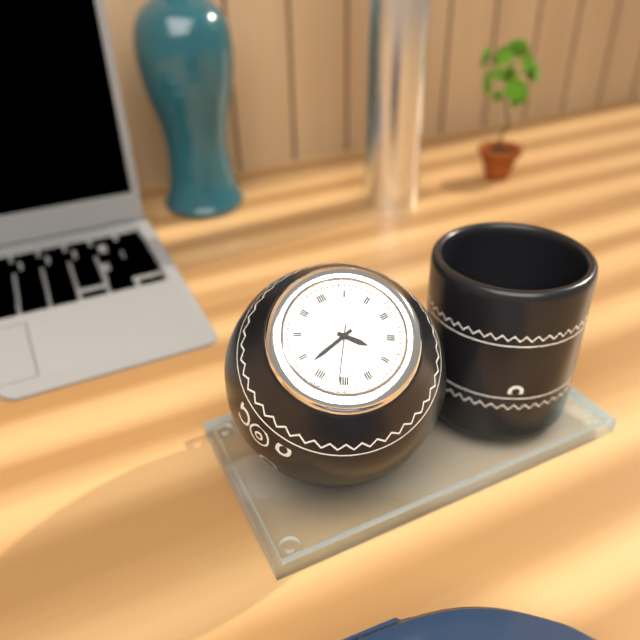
**4:43:36**
